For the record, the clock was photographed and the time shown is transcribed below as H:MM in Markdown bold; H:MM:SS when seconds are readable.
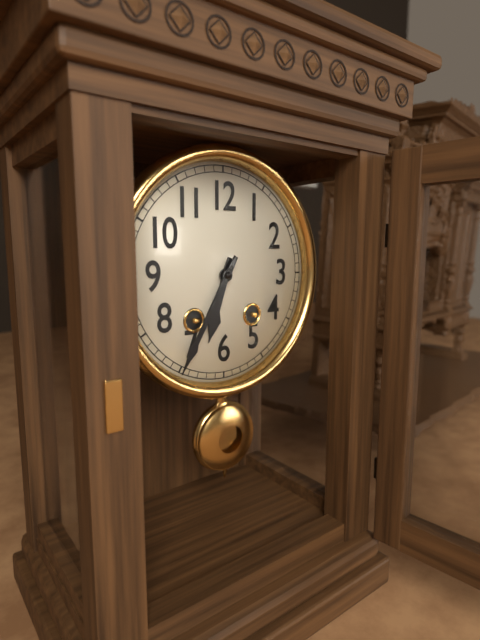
**6:35**
